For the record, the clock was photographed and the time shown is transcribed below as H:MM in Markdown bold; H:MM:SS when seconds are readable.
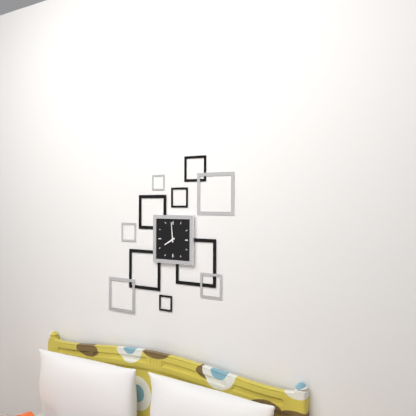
**7:59**
